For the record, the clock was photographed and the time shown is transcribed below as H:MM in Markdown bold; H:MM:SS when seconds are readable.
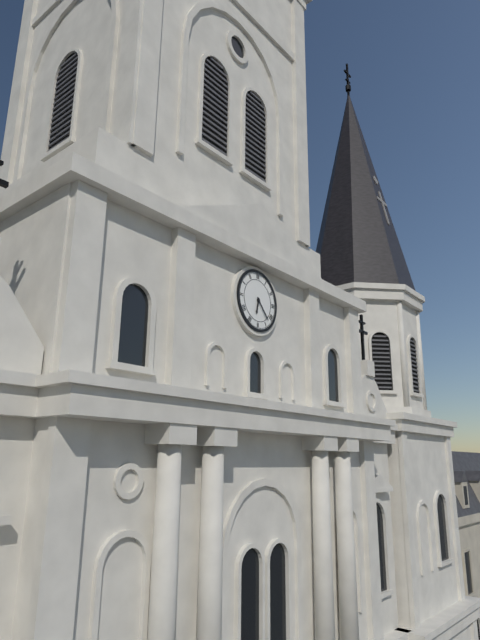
**6:23**
